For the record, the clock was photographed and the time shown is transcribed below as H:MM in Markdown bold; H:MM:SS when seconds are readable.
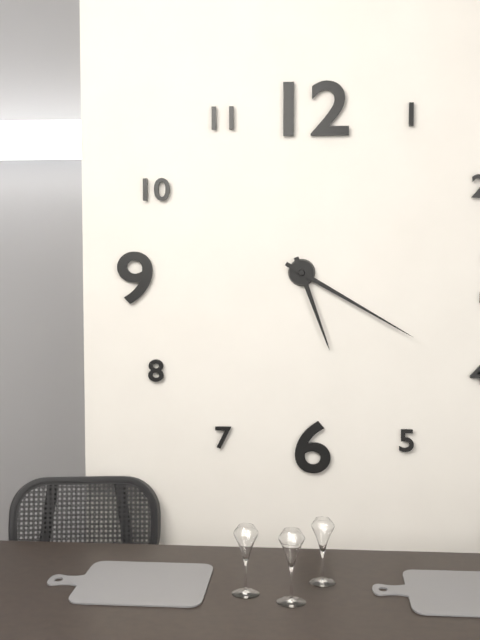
**5:20**
